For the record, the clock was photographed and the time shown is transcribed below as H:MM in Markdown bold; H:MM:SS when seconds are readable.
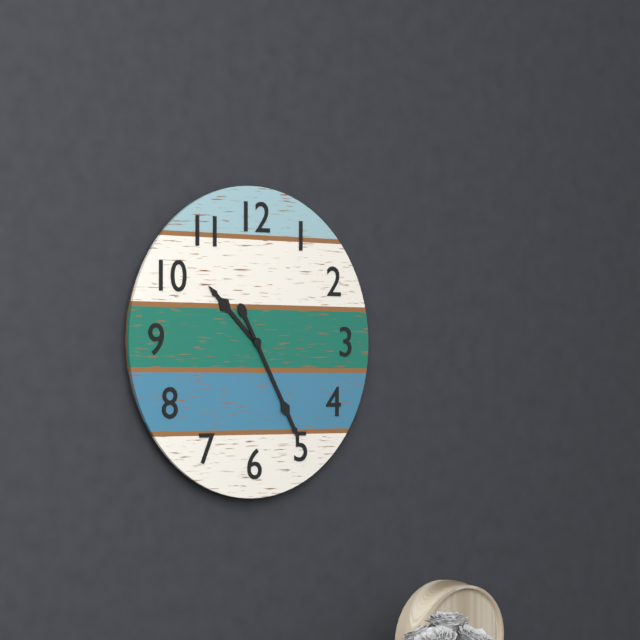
**10:25**
